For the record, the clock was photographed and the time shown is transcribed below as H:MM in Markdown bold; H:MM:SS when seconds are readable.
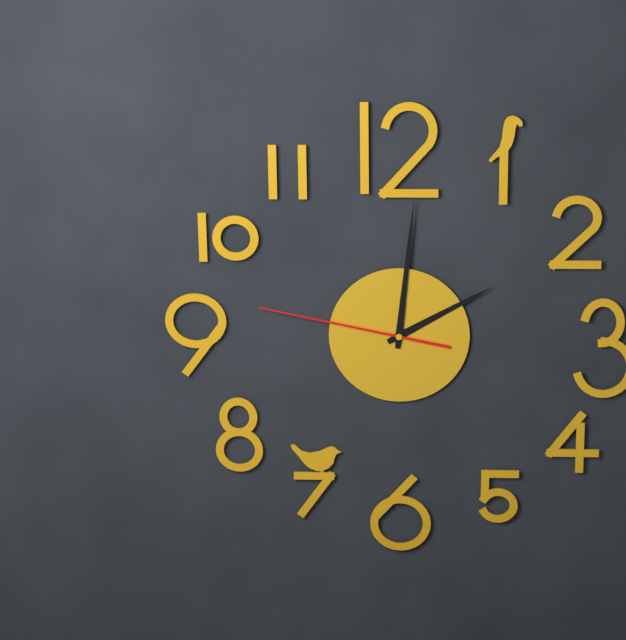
**2:01:47**
